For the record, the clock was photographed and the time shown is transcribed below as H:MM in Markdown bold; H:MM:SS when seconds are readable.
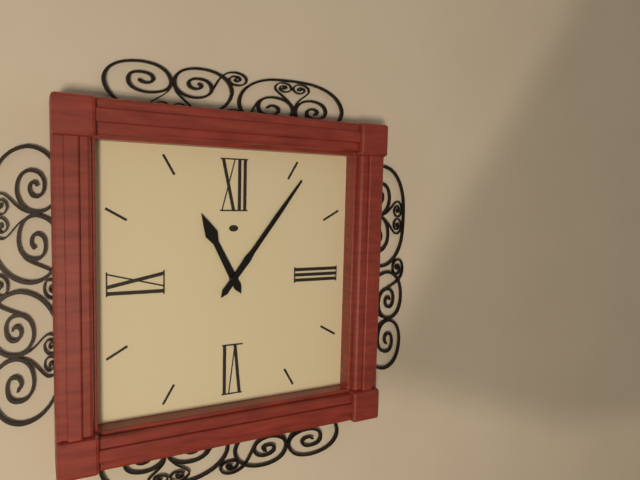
**11:06**
